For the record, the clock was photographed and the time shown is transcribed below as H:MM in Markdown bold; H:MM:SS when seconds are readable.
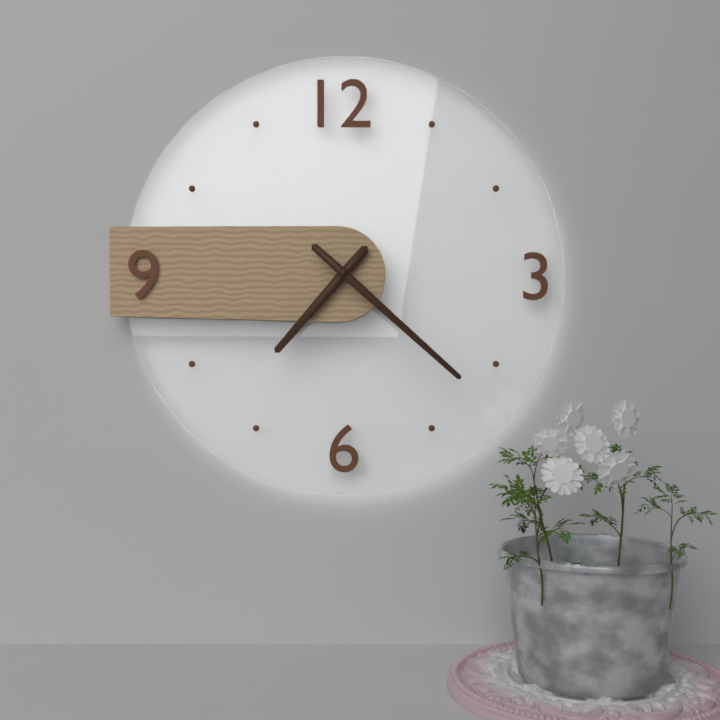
**7:22**
